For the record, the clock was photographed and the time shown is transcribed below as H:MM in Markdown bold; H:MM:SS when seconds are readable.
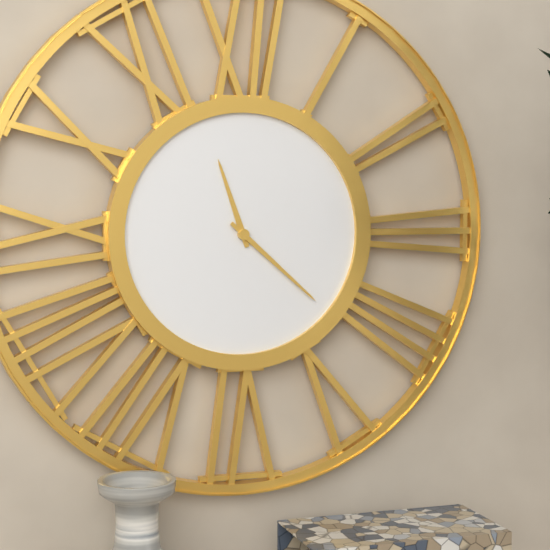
**11:22**
